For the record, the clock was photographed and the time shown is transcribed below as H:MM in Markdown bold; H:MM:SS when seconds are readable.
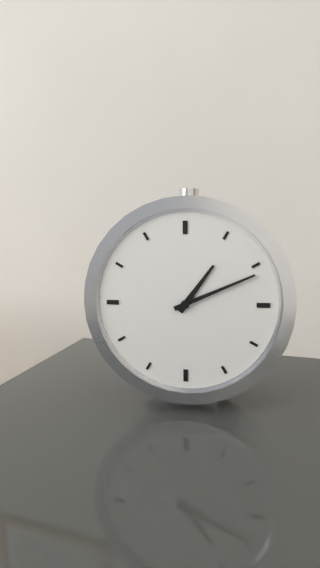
**1:11**
